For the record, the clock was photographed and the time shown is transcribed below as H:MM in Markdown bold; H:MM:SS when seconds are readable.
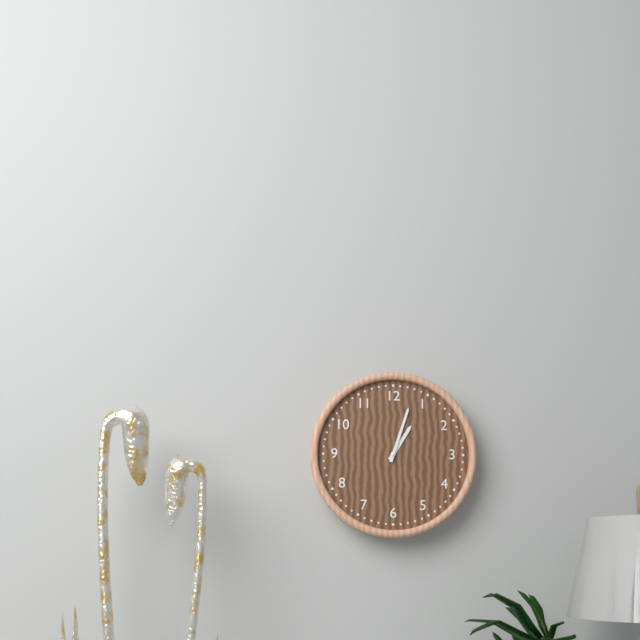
**1:03**
